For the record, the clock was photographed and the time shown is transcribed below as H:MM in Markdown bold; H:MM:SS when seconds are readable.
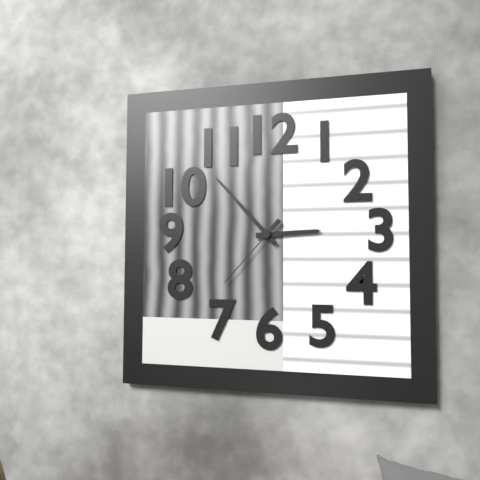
**2:53:37**
